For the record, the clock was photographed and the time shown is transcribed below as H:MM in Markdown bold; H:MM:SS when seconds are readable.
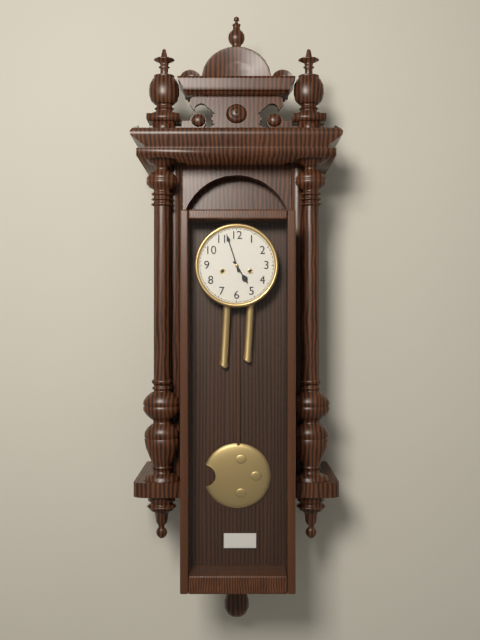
**4:57**
